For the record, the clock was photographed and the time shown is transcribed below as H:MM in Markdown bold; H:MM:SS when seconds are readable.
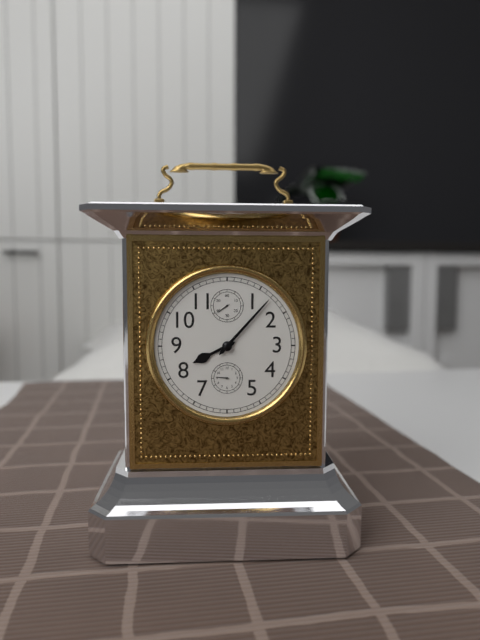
**8:07**
